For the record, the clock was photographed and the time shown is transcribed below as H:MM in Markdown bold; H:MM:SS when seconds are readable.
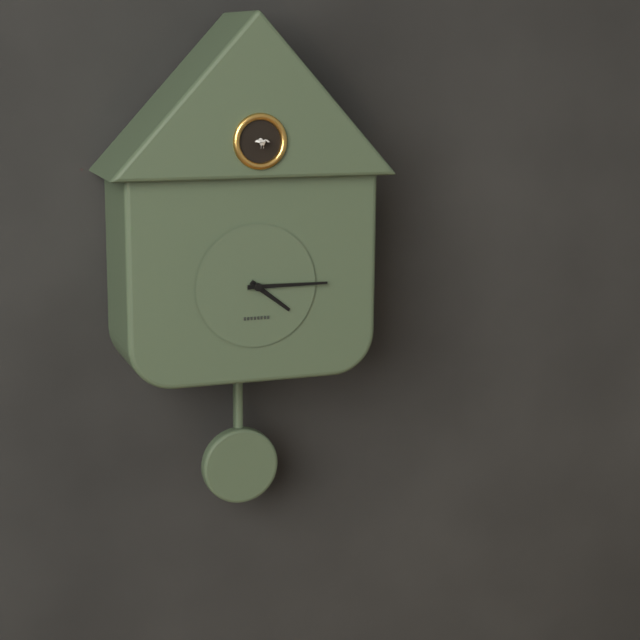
**4:15**
